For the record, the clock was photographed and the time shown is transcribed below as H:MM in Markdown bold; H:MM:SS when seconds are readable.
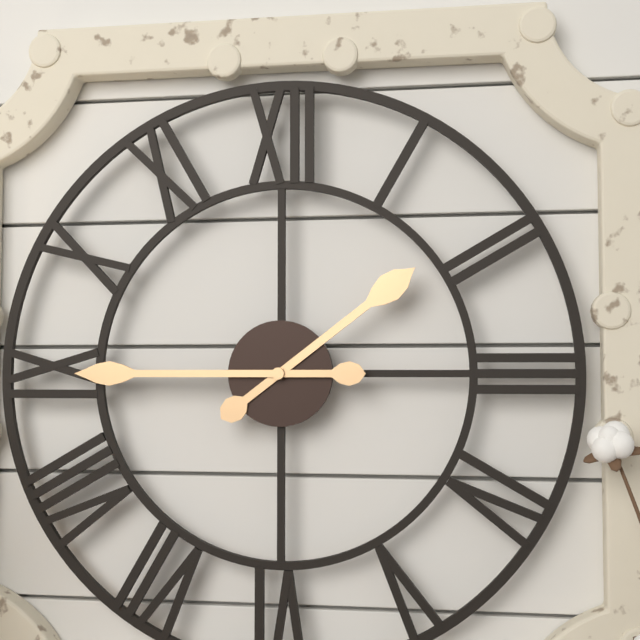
**1:45**
